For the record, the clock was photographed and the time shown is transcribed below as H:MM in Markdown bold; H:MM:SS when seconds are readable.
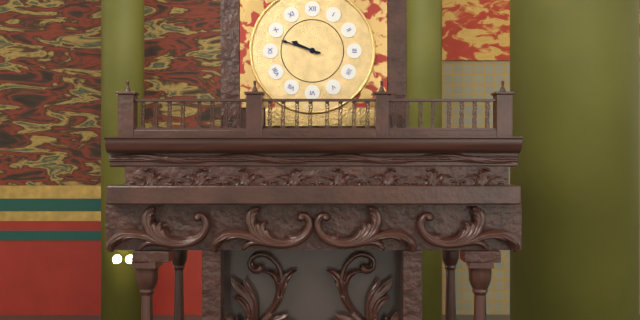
**9:48**
